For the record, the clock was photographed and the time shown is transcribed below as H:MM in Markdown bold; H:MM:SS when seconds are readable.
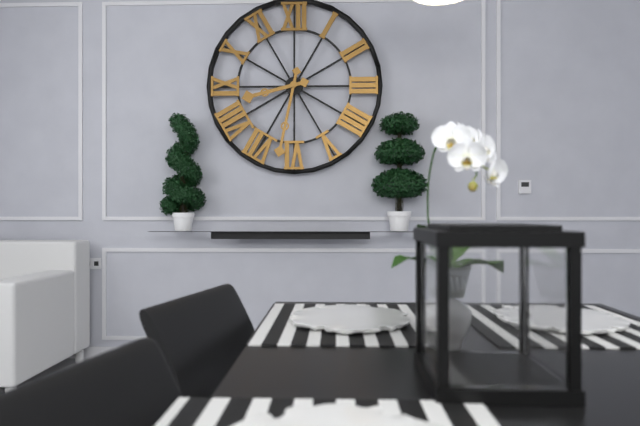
**8:32**
